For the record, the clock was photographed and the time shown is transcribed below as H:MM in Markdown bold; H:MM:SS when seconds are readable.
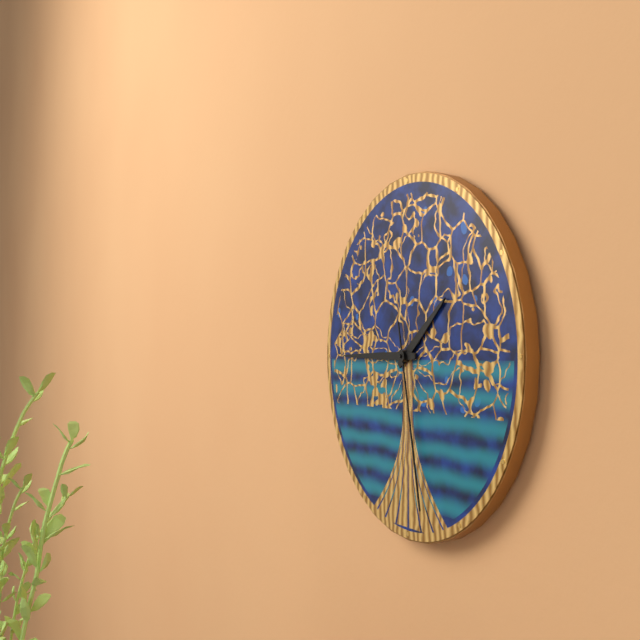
**1:45:28**
